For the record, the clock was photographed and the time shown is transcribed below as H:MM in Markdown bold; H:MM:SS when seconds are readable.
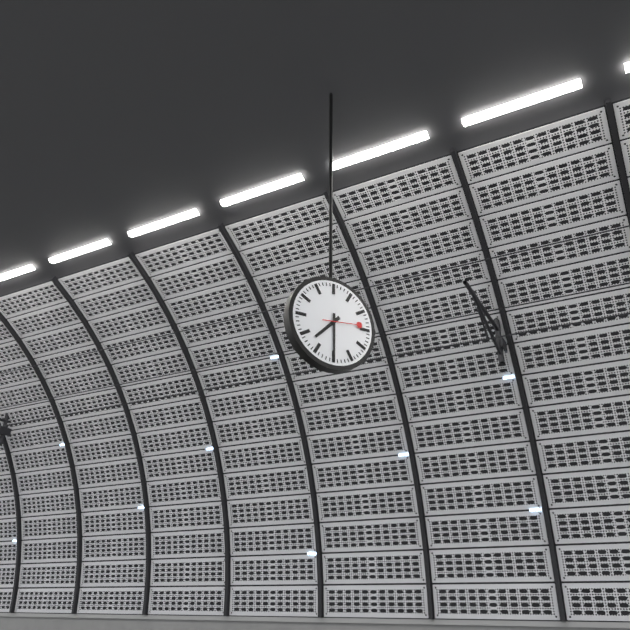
**7:30**
